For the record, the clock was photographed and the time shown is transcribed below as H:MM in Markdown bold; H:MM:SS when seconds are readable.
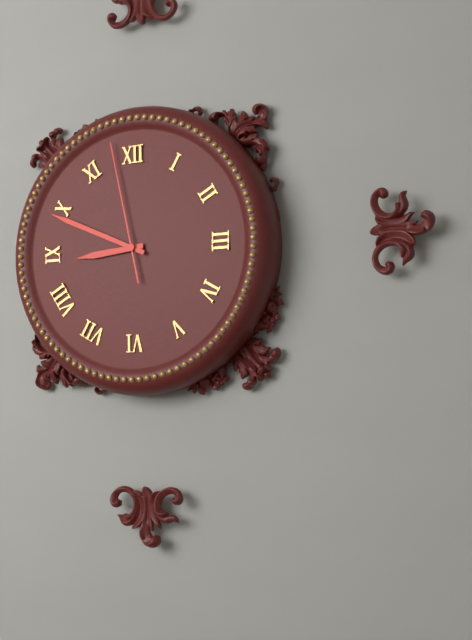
**8:49:58**
